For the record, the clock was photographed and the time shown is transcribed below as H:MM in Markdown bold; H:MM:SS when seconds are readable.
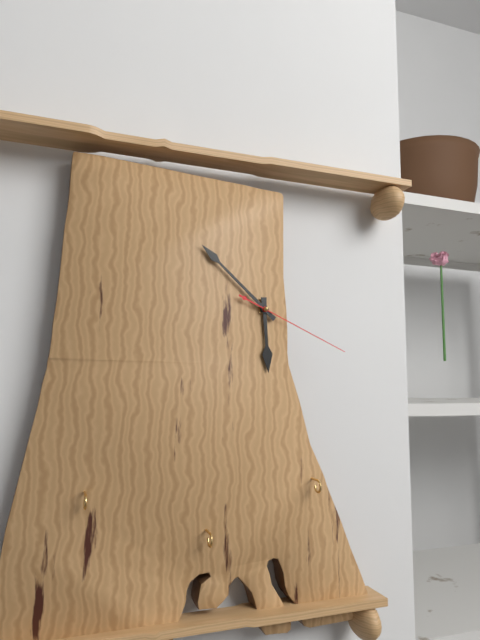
**5:52:19**
